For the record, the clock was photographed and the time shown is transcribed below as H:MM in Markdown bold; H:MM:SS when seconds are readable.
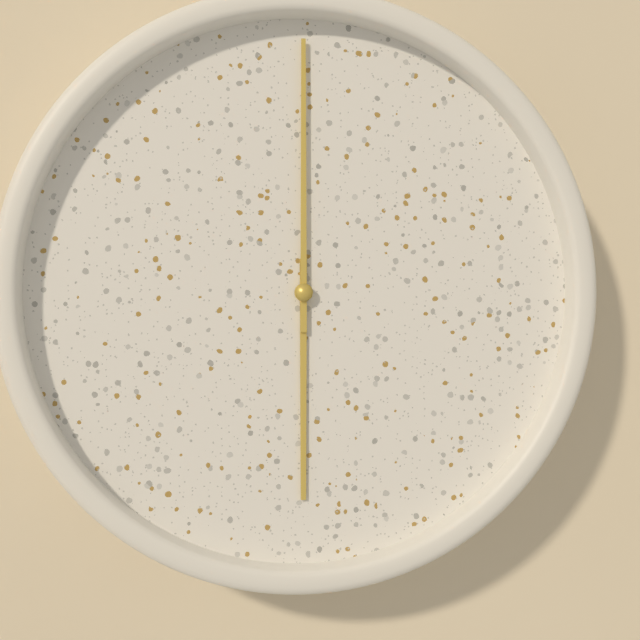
**6:00**
